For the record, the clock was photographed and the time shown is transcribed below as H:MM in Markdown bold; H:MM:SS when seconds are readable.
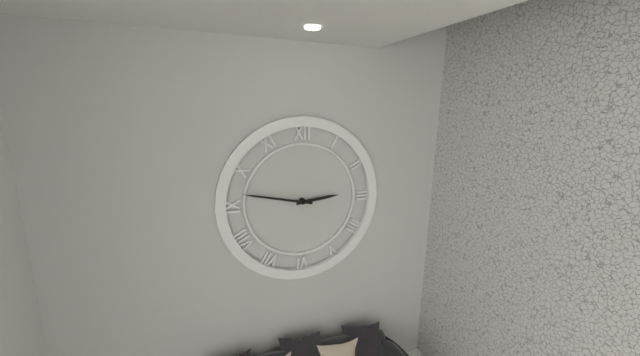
**2:47**
